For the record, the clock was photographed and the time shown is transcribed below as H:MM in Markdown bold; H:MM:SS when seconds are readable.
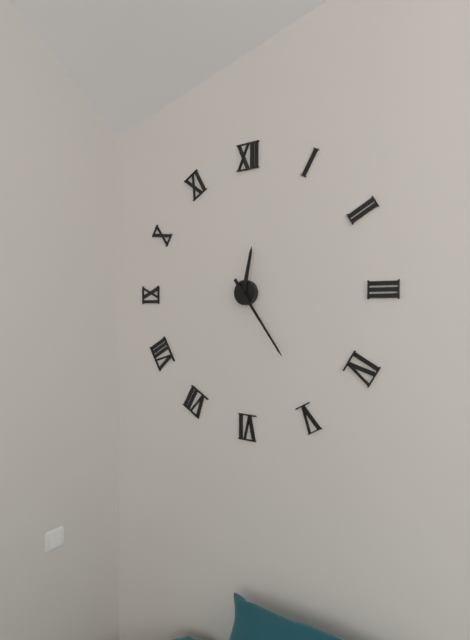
**12:24**
